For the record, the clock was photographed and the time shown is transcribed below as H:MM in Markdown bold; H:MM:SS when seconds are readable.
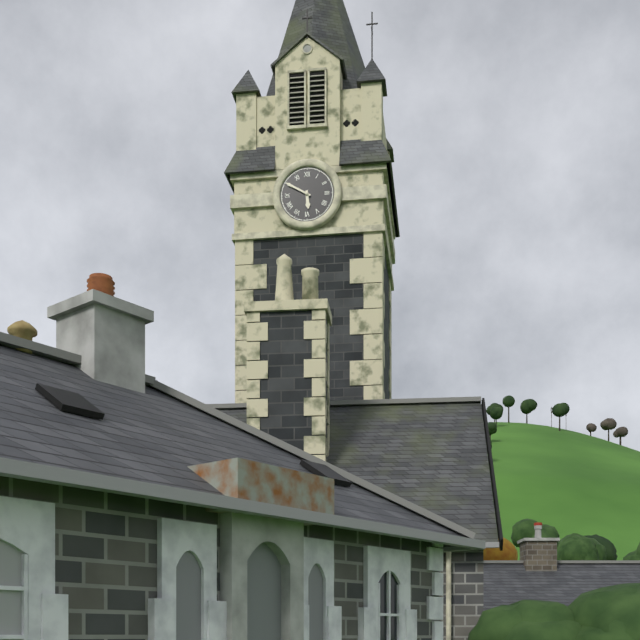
**5:50**
